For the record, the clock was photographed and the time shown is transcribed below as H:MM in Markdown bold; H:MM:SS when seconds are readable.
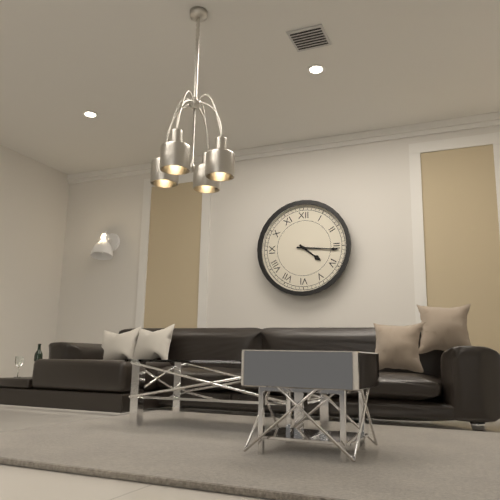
**4:16**
